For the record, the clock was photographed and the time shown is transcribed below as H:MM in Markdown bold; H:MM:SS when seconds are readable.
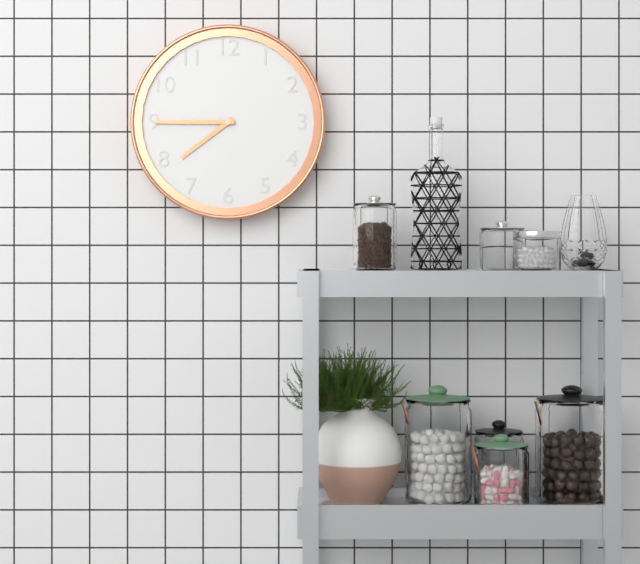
**7:45**
